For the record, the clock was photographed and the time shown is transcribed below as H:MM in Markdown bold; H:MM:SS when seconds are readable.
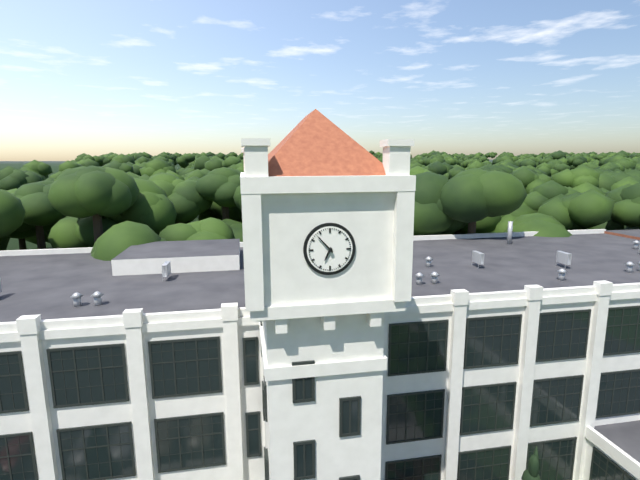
**6:53**
